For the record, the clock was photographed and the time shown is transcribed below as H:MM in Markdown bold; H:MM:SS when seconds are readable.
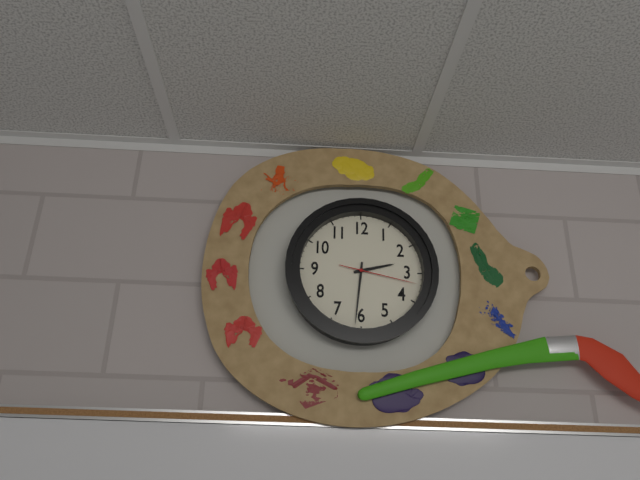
**2:31:17**
